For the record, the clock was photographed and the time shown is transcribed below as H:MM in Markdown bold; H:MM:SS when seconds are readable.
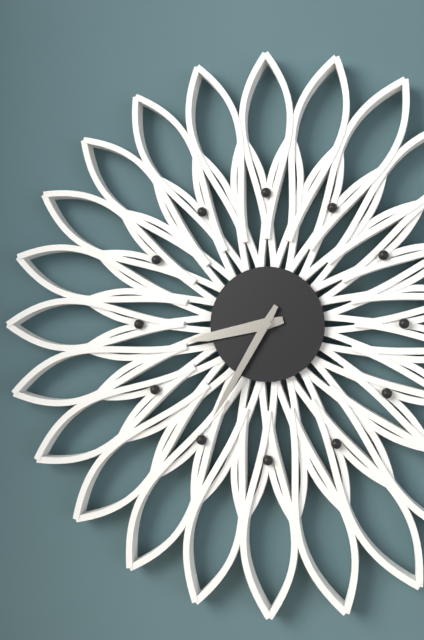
**8:35**
